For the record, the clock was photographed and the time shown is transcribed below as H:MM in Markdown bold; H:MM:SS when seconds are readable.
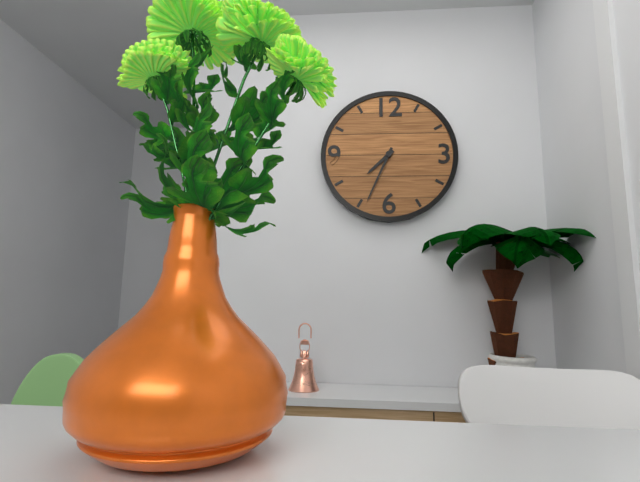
**7:34**
